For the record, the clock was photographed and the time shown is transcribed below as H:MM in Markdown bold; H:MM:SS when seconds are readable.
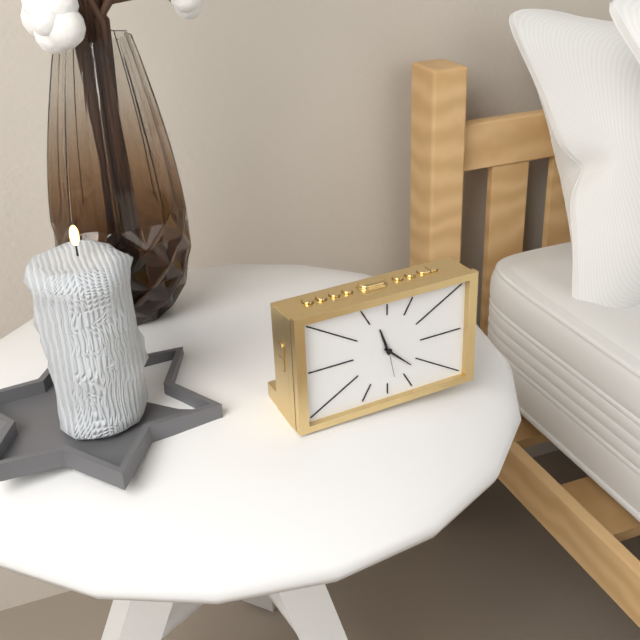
**11:22**
